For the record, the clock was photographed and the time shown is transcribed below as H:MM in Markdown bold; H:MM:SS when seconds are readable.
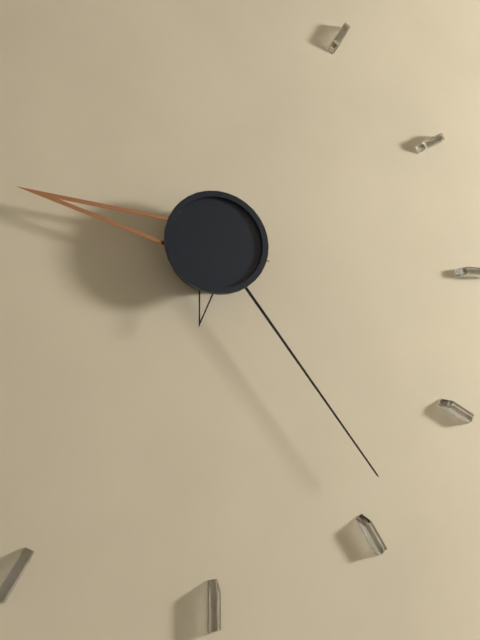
**9:24:32**
